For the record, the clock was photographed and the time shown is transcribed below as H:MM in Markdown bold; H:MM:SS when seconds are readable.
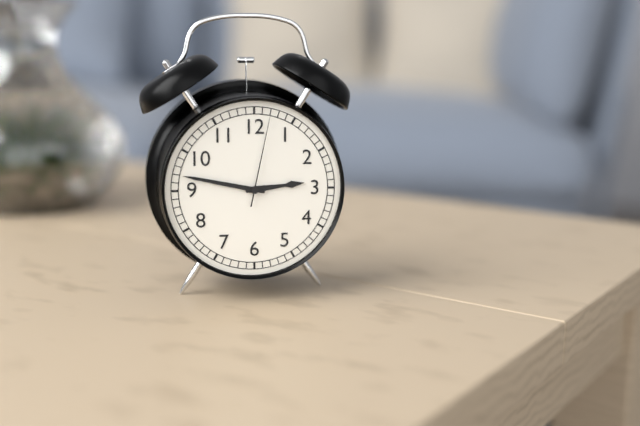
**2:47:02**
